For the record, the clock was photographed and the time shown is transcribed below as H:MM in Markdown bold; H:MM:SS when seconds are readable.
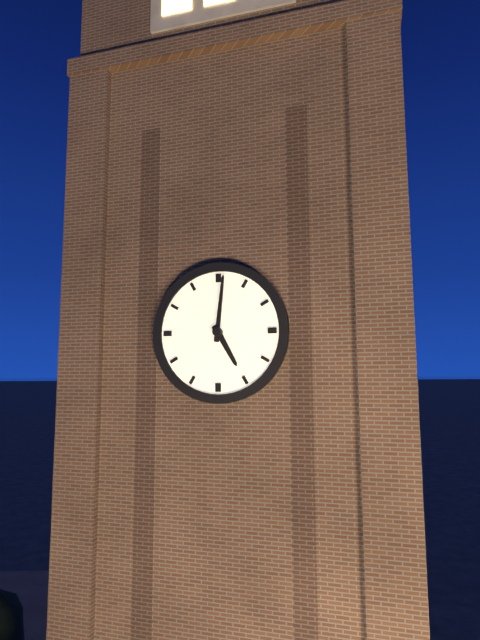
**5:01**
